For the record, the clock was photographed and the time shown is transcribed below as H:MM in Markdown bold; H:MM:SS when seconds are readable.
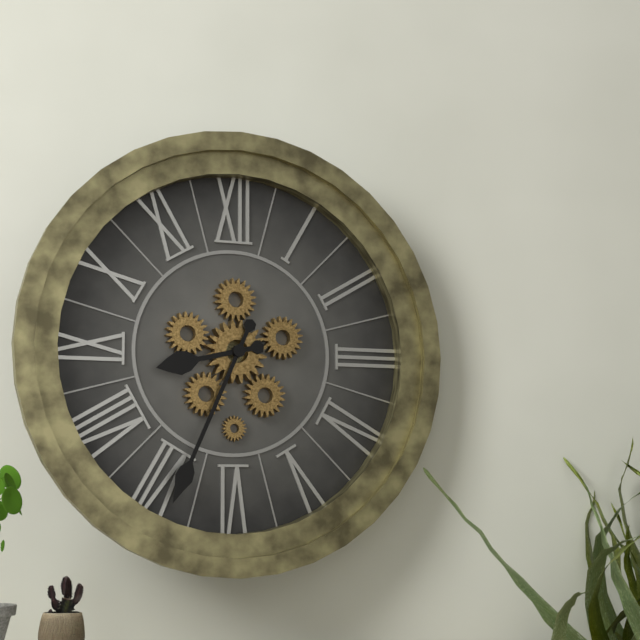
**8:34**
